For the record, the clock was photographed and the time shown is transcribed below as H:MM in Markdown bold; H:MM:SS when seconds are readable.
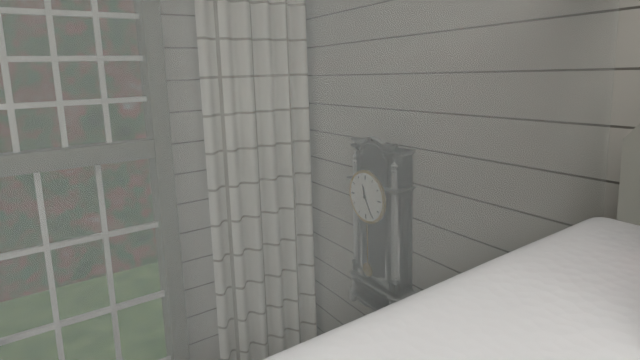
**11:25**
